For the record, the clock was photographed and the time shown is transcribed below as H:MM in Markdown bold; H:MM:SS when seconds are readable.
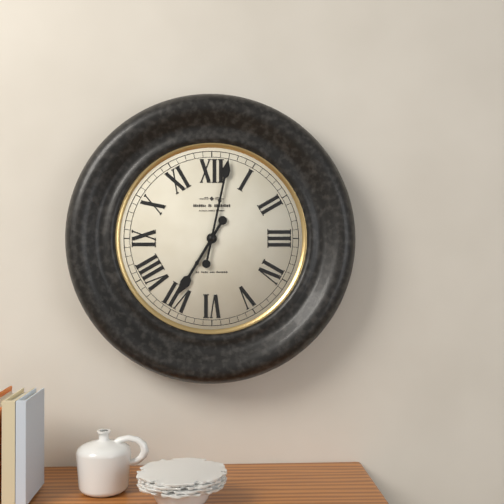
**7:02**
